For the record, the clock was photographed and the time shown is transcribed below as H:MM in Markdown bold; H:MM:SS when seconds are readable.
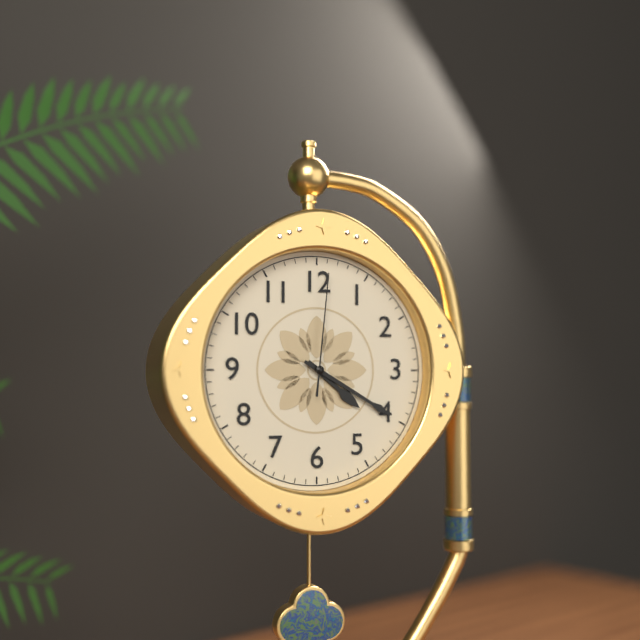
**4:20:01**
